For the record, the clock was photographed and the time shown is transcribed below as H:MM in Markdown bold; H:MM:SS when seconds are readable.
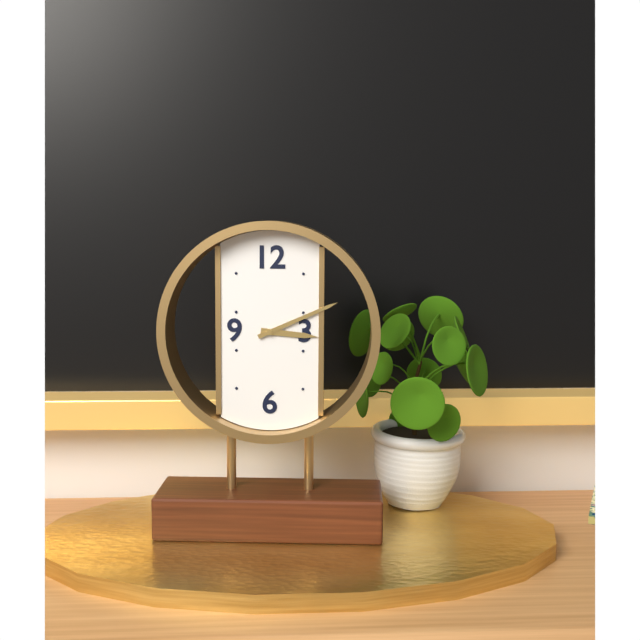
**3:11**
